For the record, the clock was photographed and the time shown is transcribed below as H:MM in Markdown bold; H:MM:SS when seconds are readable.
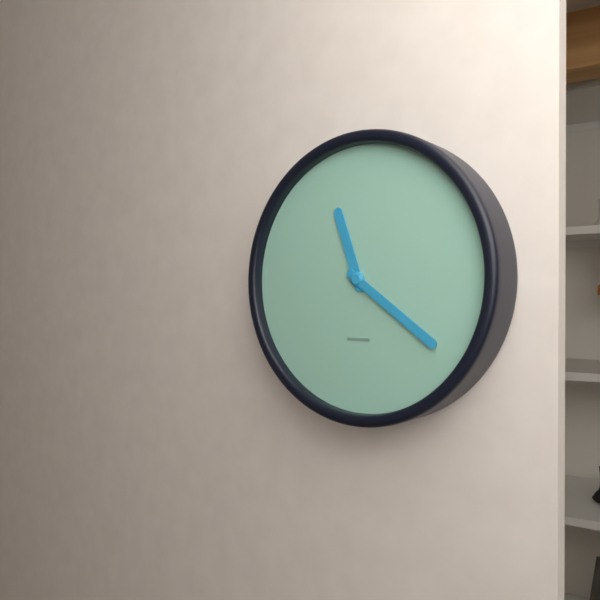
**11:21**
